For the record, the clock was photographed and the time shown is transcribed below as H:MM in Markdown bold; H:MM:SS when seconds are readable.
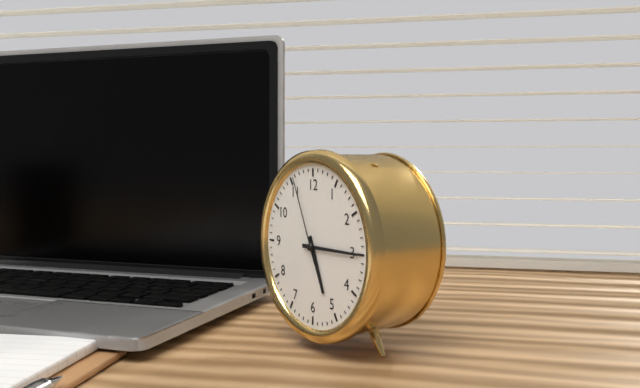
**5:15:56**
